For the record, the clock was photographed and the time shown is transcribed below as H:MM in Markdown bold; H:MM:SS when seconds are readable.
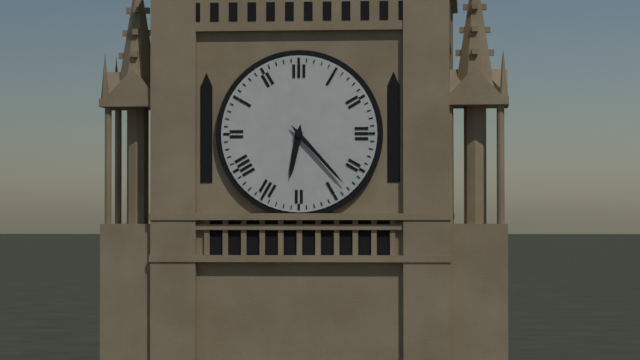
**6:23**
